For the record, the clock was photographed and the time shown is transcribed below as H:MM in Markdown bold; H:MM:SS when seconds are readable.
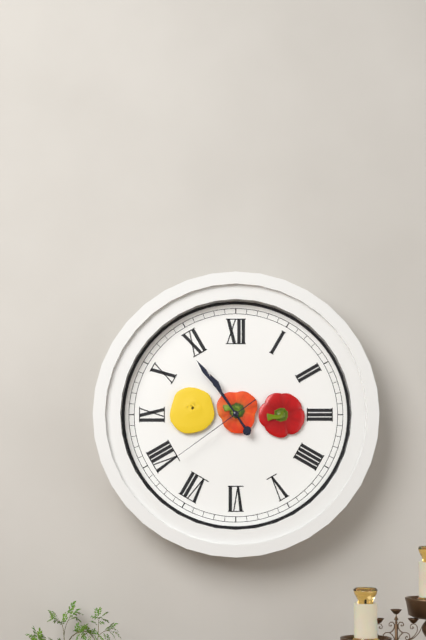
**10:54:39**
